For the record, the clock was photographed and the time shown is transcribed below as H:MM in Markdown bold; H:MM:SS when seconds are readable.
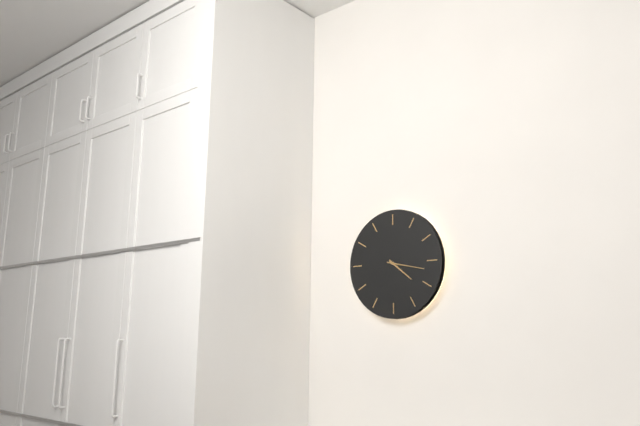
**4:17**
